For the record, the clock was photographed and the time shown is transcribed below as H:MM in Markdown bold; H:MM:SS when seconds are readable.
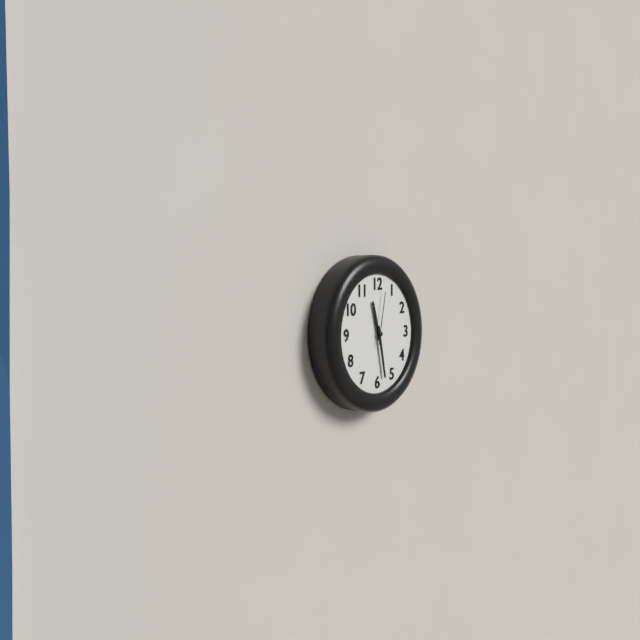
**11:28:02**
